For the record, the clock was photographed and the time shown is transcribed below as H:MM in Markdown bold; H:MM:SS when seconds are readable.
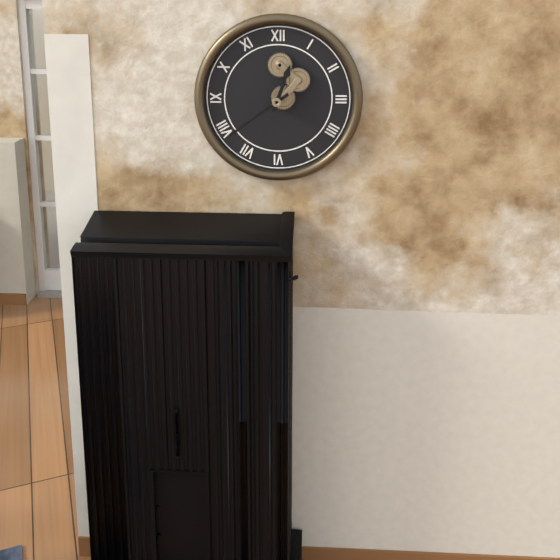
**12:39**
